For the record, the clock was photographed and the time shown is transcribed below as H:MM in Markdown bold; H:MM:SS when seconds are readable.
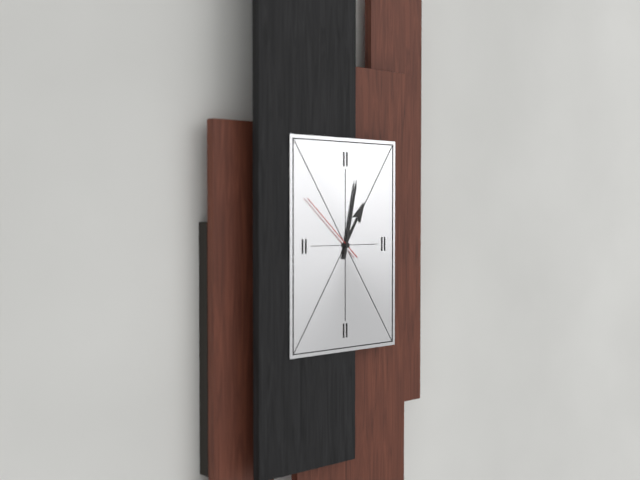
**1:02:52**
